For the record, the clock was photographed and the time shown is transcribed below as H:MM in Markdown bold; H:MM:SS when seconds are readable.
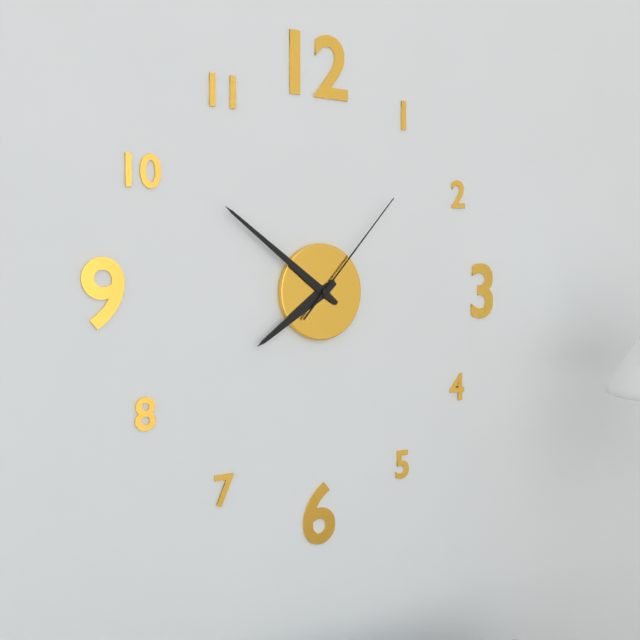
**7:51:07**
